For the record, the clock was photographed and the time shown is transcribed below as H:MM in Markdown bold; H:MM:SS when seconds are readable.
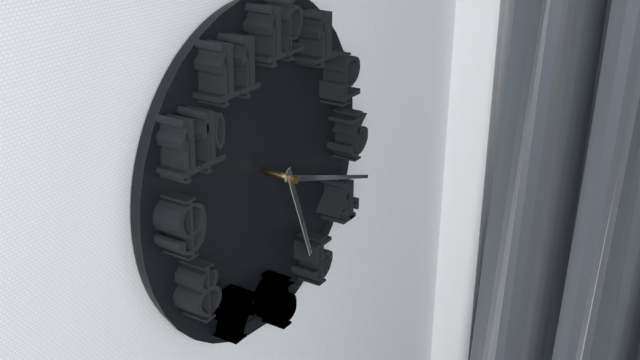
**5:18**
